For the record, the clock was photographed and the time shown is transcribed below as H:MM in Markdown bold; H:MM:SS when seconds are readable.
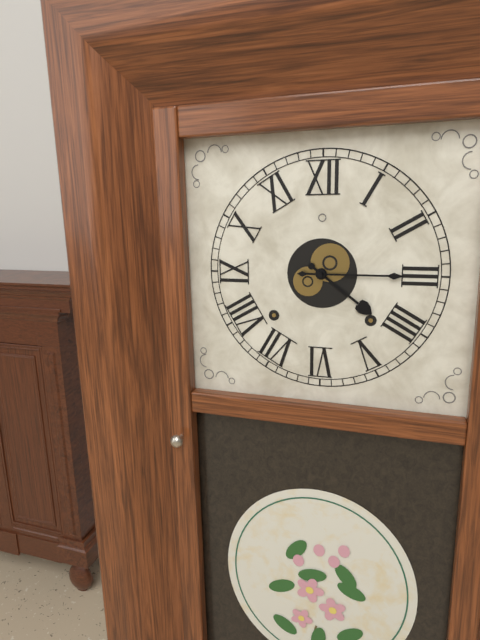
**4:15**
